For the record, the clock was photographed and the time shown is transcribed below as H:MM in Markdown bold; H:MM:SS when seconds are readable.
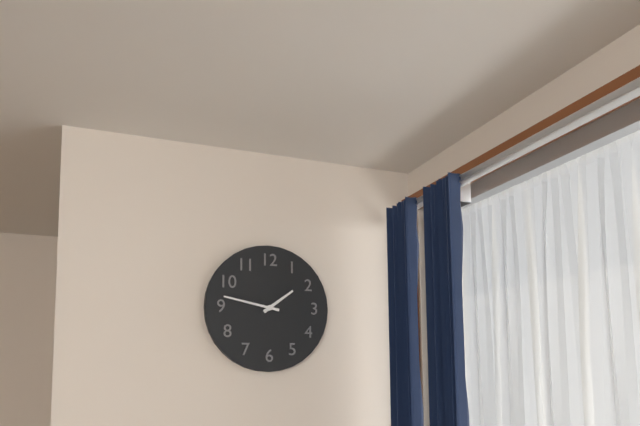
**1:47**
